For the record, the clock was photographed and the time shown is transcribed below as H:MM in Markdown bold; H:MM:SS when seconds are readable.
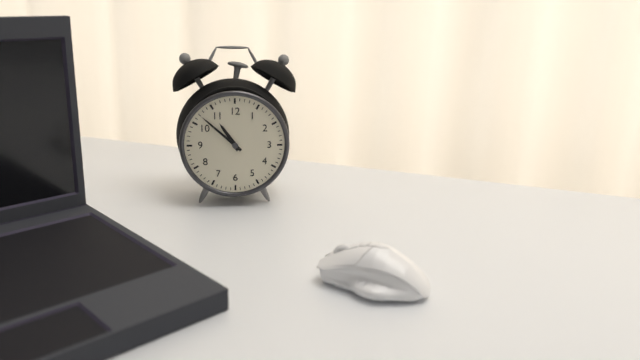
**10:52**
